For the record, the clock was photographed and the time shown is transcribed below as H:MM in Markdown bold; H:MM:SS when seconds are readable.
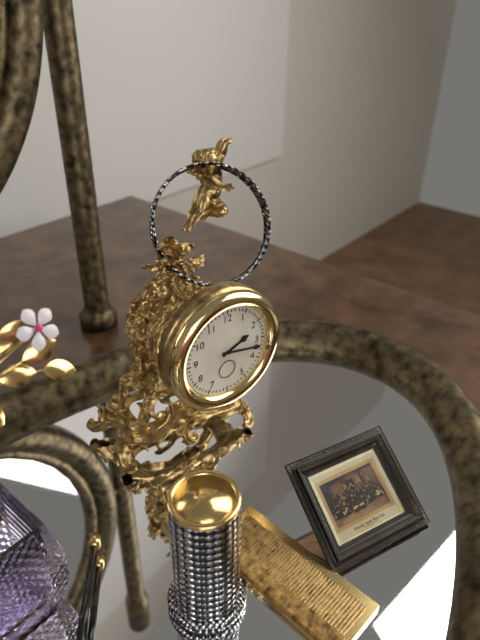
**2:17**
